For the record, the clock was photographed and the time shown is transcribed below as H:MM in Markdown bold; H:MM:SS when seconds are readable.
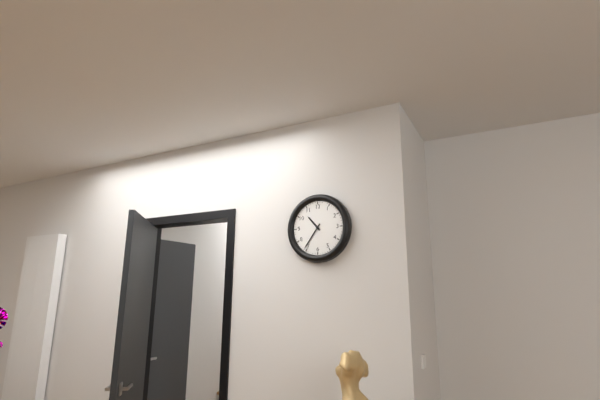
**10:36**
